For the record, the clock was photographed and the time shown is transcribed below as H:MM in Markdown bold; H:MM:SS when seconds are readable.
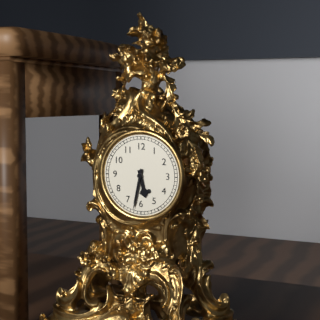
**5:32**
